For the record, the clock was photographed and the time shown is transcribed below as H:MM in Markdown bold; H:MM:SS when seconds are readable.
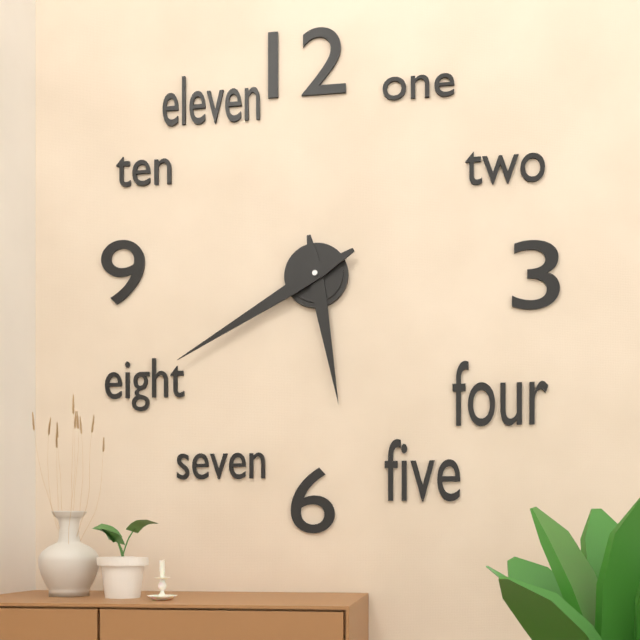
**5:40**
